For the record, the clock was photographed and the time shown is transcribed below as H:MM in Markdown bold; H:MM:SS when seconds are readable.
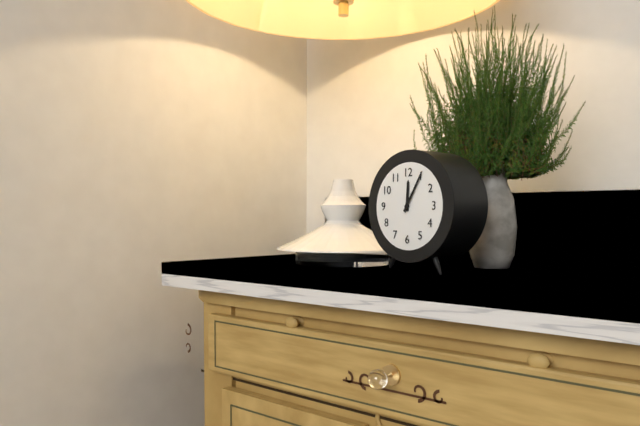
**12:05**
